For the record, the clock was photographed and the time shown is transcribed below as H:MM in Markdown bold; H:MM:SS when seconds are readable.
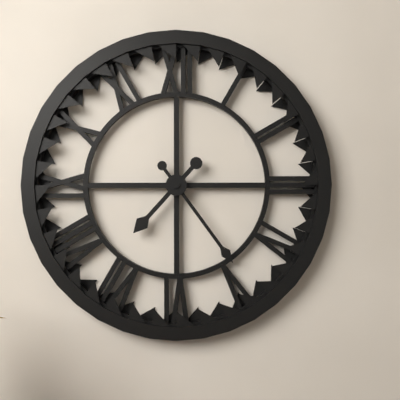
**7:24**
